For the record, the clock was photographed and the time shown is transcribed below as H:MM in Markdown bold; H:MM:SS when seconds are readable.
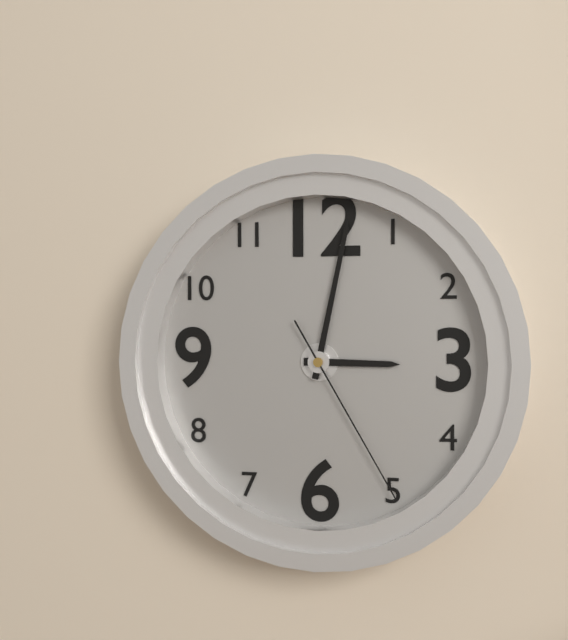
**3:02:25**
